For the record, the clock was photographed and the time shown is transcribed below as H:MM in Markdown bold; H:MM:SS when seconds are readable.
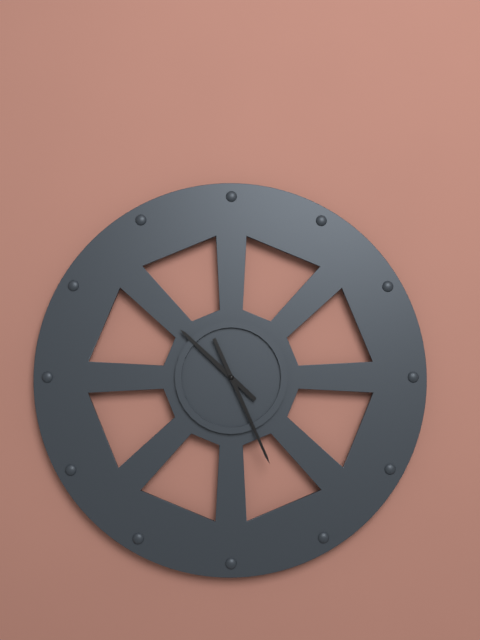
**10:26**
